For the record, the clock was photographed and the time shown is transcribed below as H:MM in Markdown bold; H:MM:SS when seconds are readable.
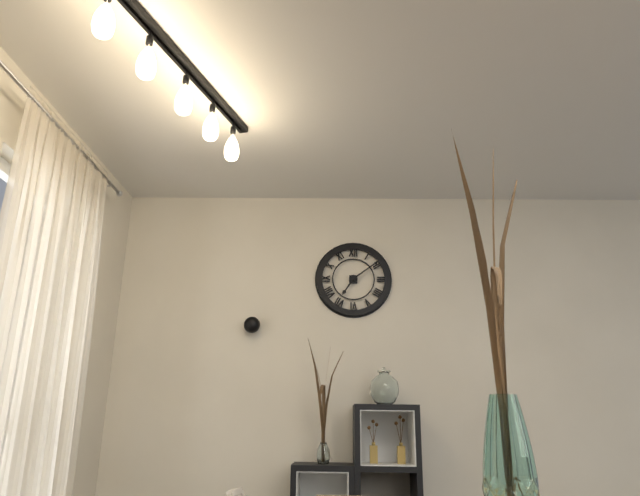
**7:09**
